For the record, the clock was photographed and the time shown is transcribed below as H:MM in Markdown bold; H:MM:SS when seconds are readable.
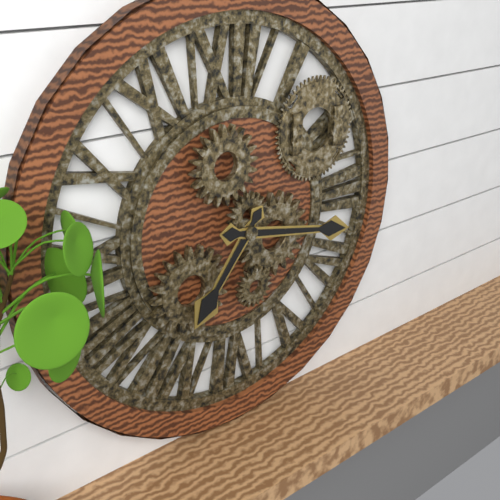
**7:17**
